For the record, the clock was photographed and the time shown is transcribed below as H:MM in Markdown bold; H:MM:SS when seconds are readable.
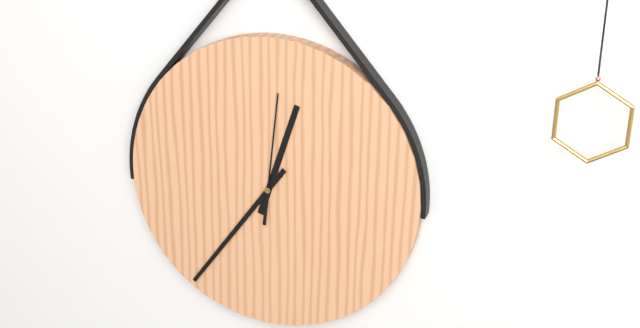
**12:36:01**
